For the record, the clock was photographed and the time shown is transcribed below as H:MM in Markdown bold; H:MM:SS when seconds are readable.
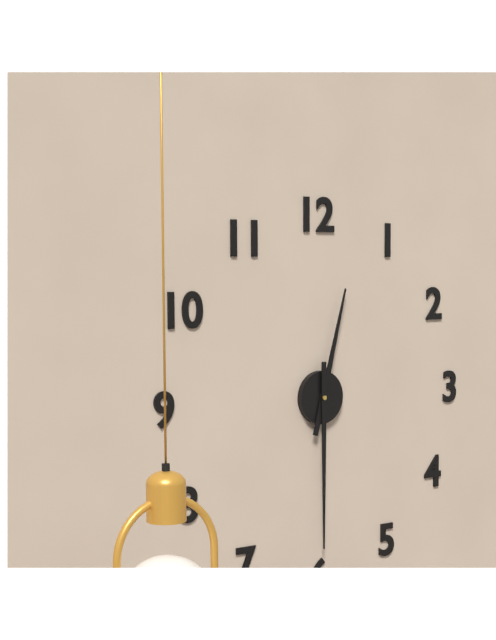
**12:30**
